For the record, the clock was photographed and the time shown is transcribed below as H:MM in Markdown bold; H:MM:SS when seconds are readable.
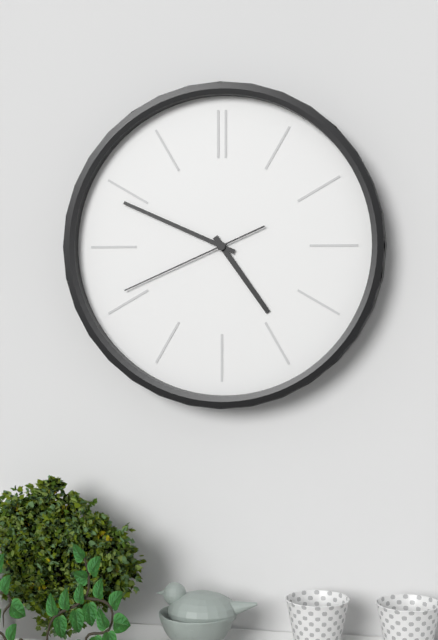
**4:49:41**
